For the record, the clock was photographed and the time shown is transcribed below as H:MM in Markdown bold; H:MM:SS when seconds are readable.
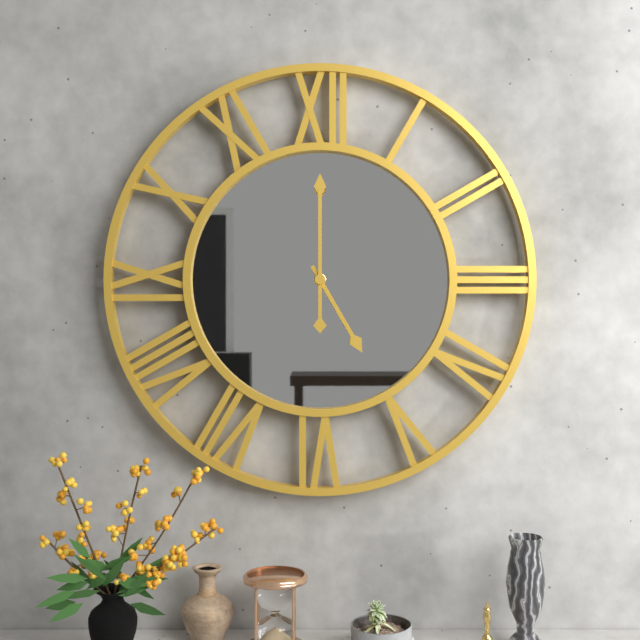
**5:00**
